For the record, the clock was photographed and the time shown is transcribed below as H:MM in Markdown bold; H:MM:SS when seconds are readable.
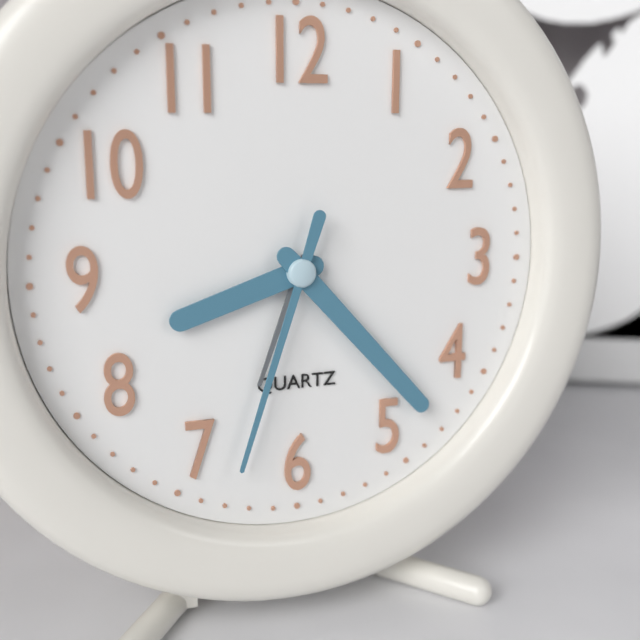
**8:23:33**
